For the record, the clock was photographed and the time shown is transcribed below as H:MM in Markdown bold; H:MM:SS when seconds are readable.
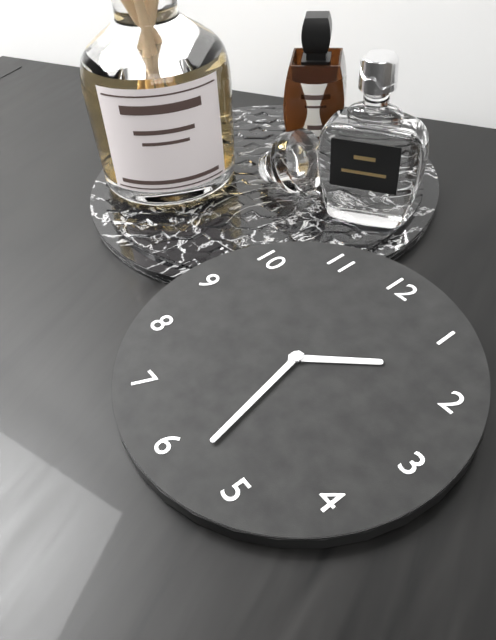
**1:28**
